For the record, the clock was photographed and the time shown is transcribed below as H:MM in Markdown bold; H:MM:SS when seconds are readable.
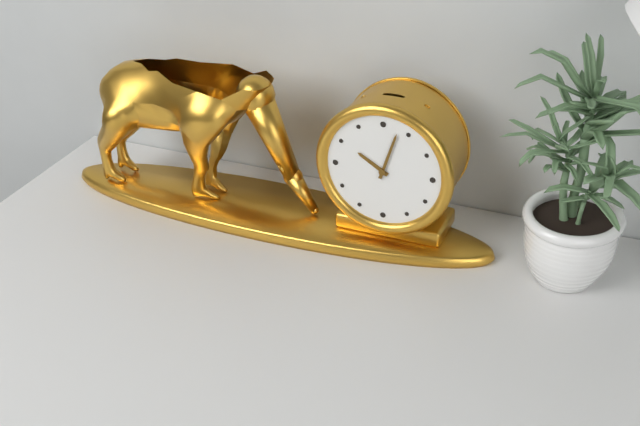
**10:03**
